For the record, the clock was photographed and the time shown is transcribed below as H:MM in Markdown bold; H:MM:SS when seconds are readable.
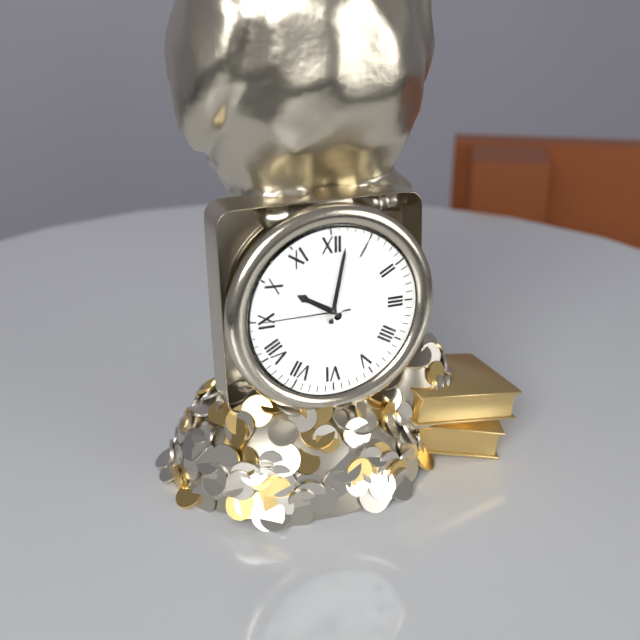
**10:02:45**
